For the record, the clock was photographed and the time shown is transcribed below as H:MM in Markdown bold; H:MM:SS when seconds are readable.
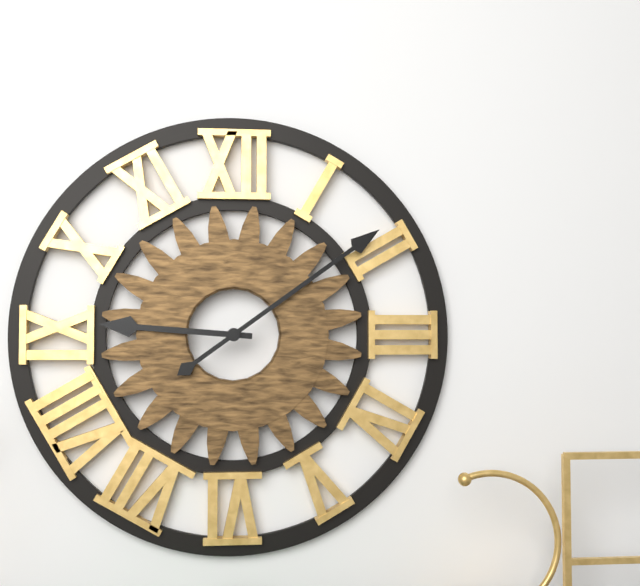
**9:09**
